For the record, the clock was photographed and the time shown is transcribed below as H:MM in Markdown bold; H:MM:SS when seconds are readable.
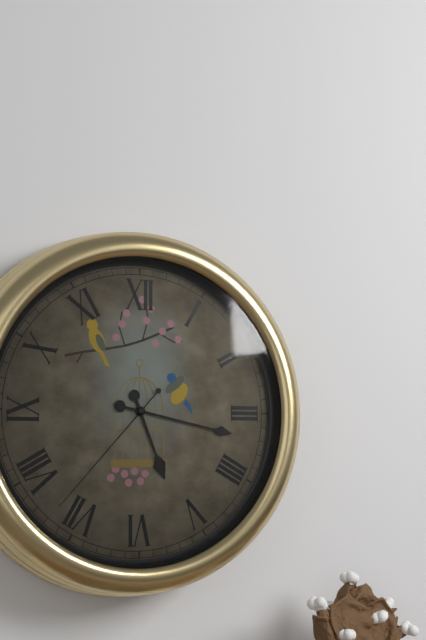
**5:17:37**
